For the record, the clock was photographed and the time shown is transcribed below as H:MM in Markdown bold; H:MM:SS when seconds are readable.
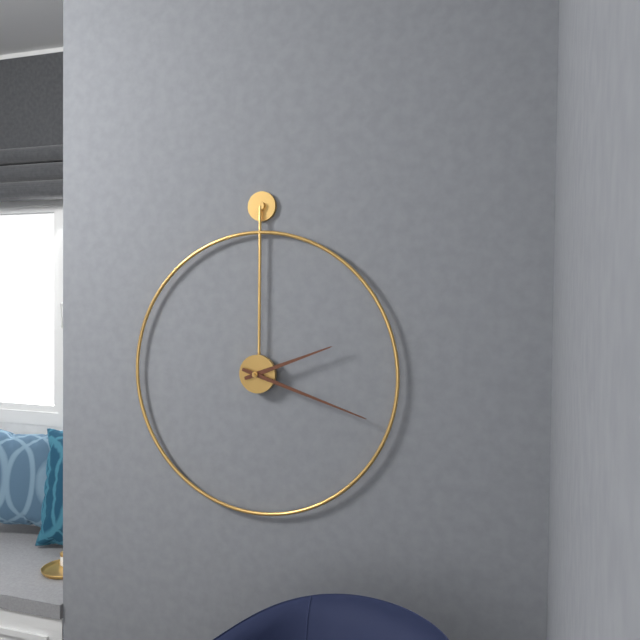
**2:18**
